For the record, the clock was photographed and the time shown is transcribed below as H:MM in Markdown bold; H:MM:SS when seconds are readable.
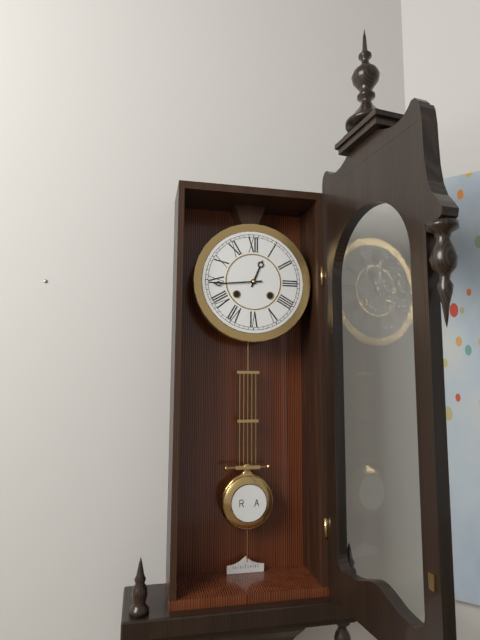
**12:44**
